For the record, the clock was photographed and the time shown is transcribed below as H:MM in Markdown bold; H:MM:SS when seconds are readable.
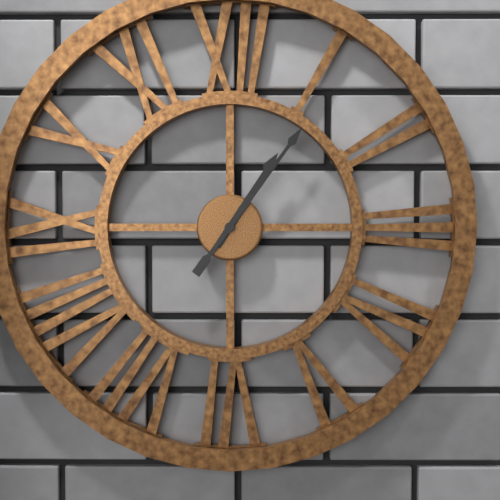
**1:06**
